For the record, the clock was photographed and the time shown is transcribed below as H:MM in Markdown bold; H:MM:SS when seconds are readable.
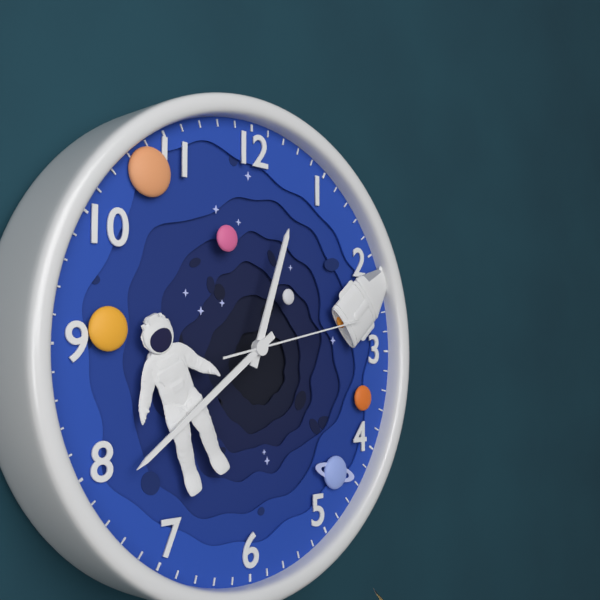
**12:39:13**
